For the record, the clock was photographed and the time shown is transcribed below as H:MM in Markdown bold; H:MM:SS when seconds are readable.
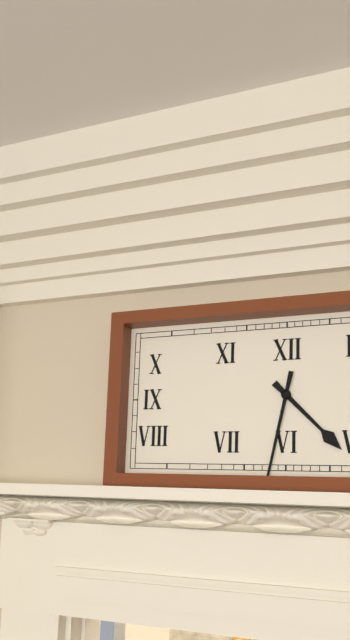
**4:32**
